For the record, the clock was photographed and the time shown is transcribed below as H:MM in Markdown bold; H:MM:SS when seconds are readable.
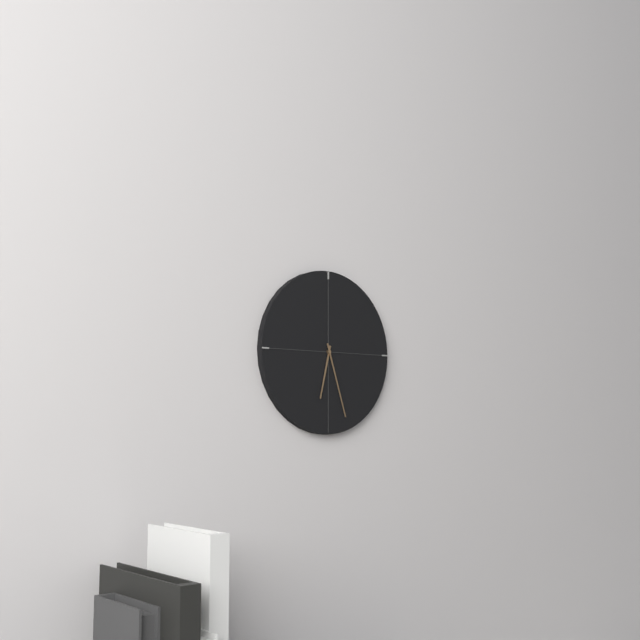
**6:27**
